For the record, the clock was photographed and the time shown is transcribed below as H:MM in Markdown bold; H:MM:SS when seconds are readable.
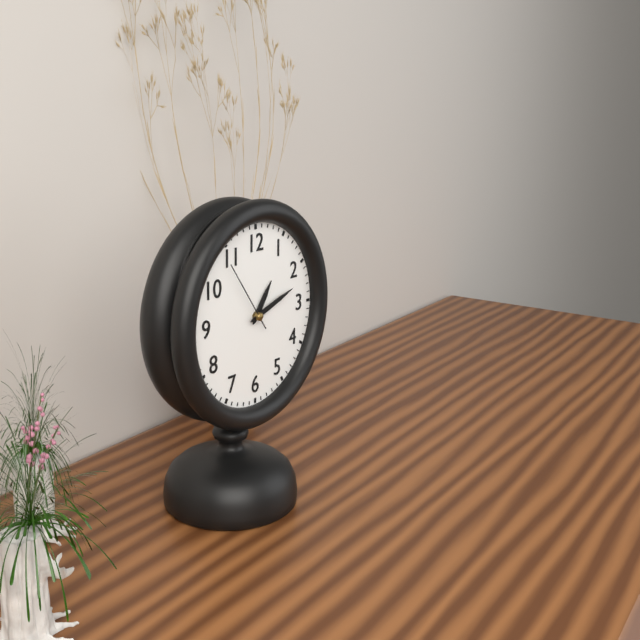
**1:12:54**
